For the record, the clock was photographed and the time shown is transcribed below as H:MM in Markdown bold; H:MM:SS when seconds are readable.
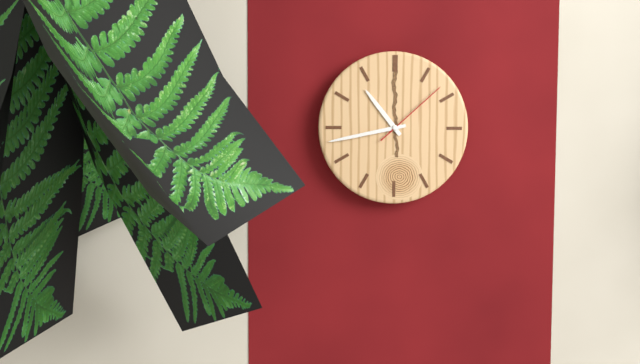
**10:43:08**
